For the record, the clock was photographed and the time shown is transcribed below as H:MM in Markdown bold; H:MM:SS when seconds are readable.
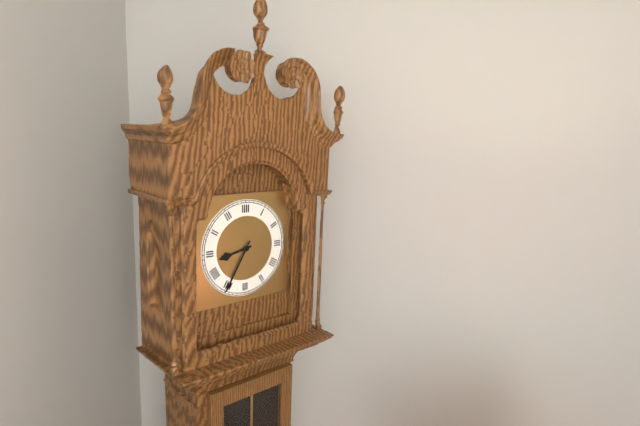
**8:35**
